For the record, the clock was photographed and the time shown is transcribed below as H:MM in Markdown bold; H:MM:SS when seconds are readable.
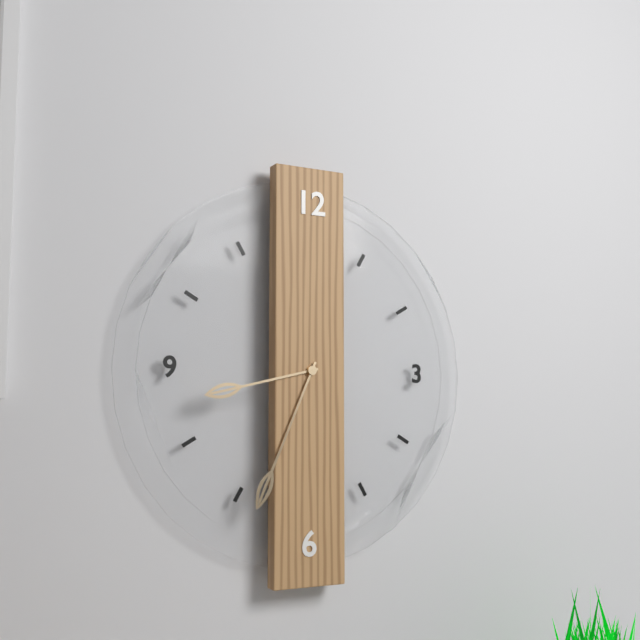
**8:34**
